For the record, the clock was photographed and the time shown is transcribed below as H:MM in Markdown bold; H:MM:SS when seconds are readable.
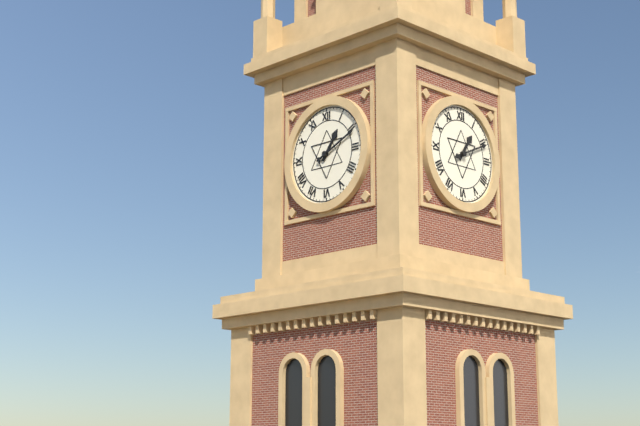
**1:11**
